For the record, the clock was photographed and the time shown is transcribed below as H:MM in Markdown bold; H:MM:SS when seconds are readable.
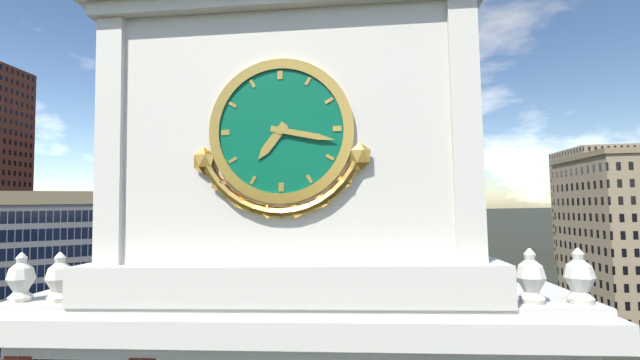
**7:17**
